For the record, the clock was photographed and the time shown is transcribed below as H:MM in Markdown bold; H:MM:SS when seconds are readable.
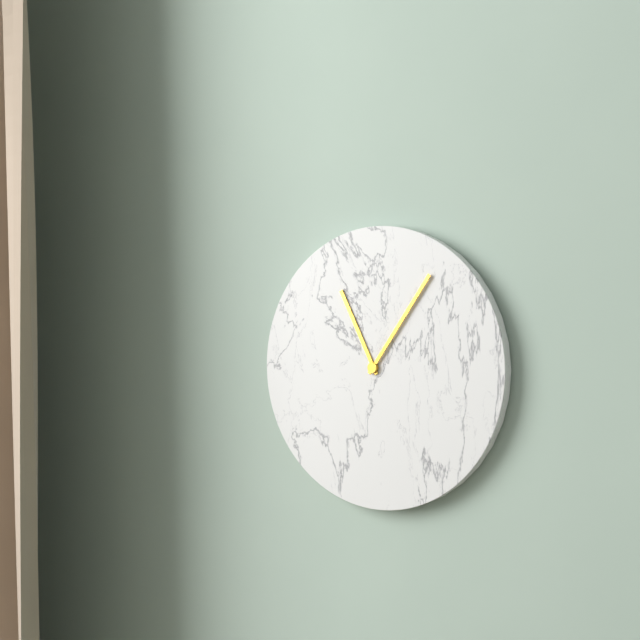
**11:06**
